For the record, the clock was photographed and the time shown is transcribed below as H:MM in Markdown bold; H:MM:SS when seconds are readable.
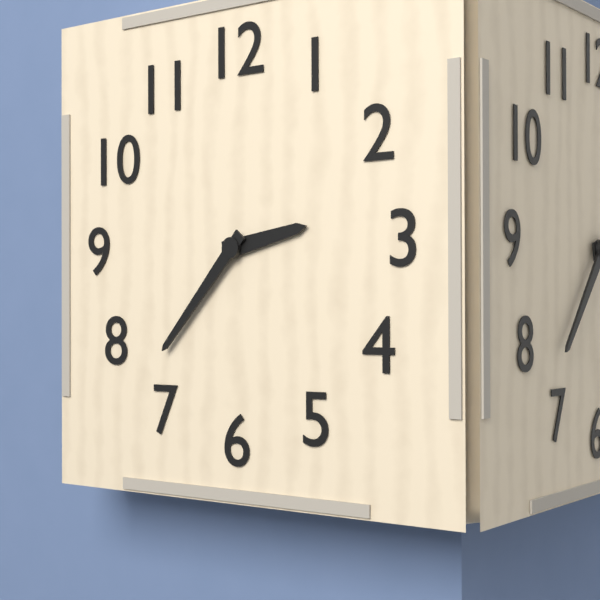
**2:37**
